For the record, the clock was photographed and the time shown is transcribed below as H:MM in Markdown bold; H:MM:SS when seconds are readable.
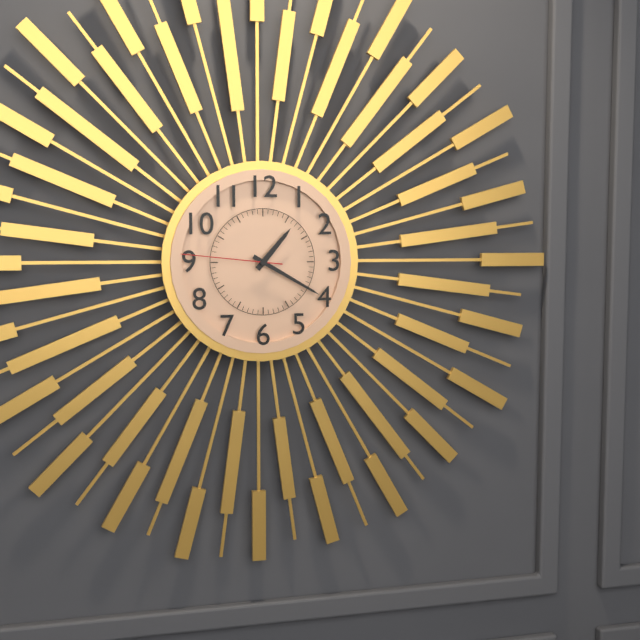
**1:20:46**
